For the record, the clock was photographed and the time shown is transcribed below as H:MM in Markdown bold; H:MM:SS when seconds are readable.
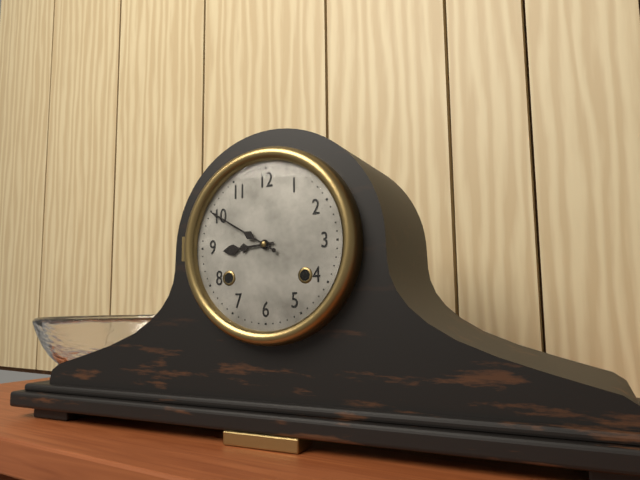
**8:50**
